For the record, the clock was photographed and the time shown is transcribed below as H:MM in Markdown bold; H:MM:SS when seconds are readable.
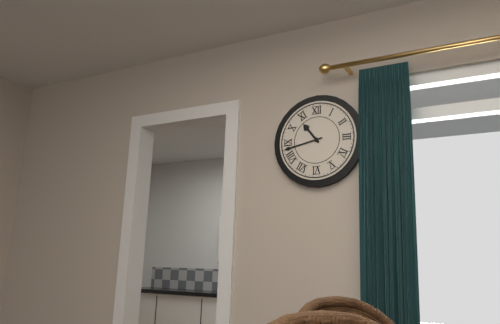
**10:43**
